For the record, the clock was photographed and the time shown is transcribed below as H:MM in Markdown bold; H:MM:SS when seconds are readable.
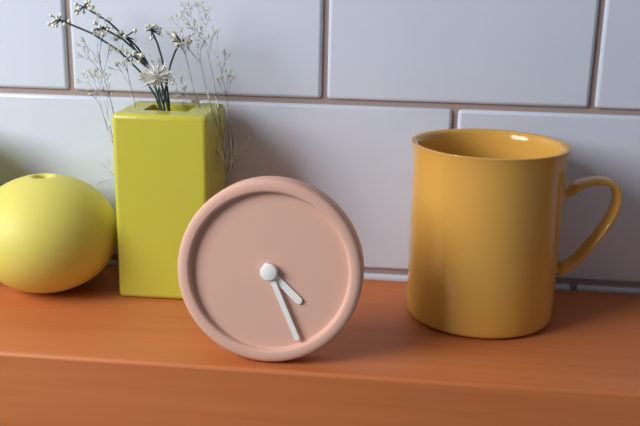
**4:26**
